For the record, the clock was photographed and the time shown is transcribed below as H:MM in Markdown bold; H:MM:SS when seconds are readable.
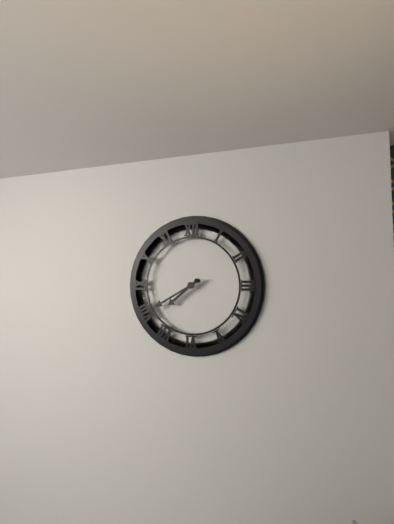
**7:40**
